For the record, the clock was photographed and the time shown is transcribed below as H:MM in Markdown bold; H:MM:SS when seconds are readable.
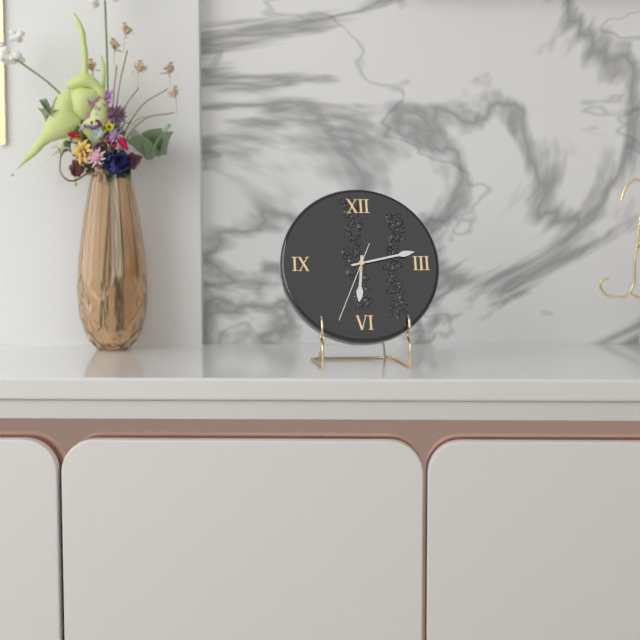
**6:13:34**
